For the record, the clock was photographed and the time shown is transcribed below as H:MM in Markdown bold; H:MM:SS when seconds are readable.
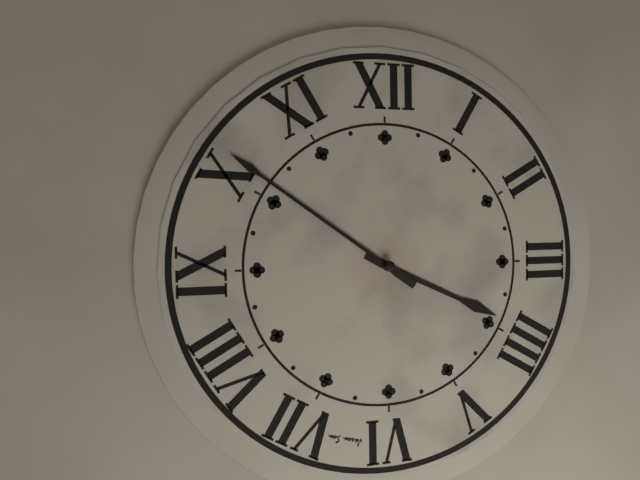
**3:51**
